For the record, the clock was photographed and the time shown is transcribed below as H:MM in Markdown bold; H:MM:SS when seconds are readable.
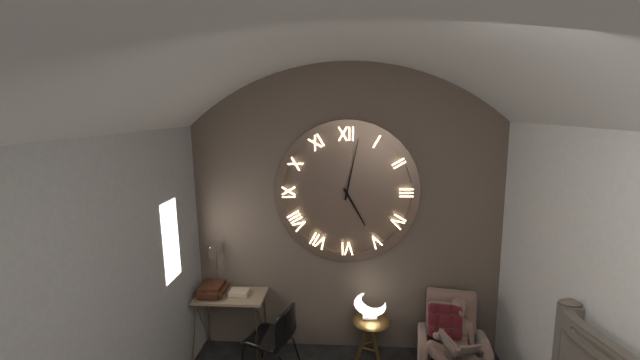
**5:02**
